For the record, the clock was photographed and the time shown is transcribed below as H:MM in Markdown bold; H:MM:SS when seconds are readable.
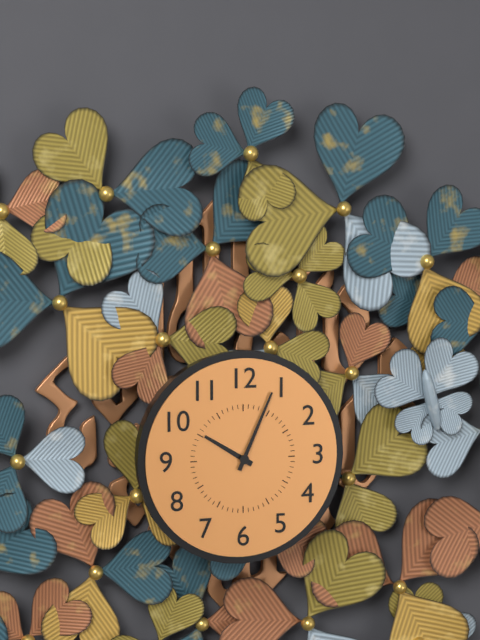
**10:04**
